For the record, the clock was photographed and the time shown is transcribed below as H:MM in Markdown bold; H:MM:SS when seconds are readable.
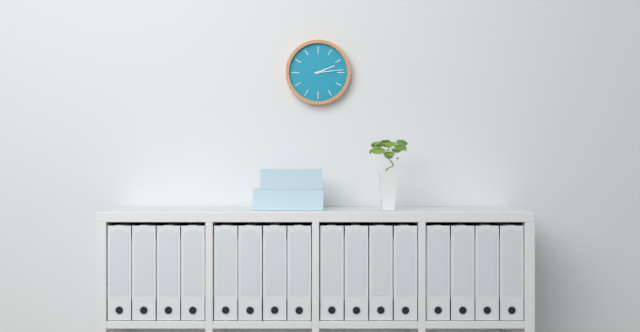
**2:14**
